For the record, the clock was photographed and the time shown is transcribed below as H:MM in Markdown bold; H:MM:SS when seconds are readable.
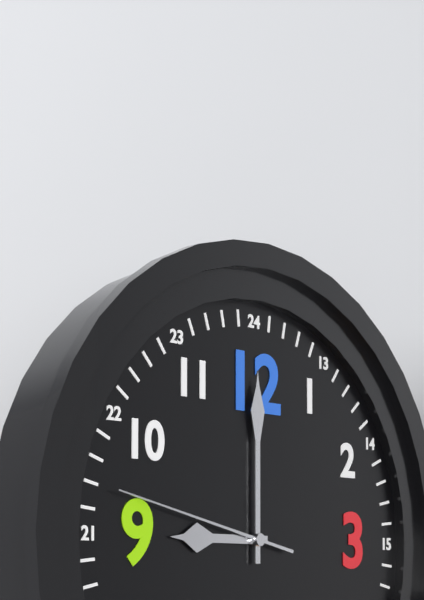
**9:00:47**
